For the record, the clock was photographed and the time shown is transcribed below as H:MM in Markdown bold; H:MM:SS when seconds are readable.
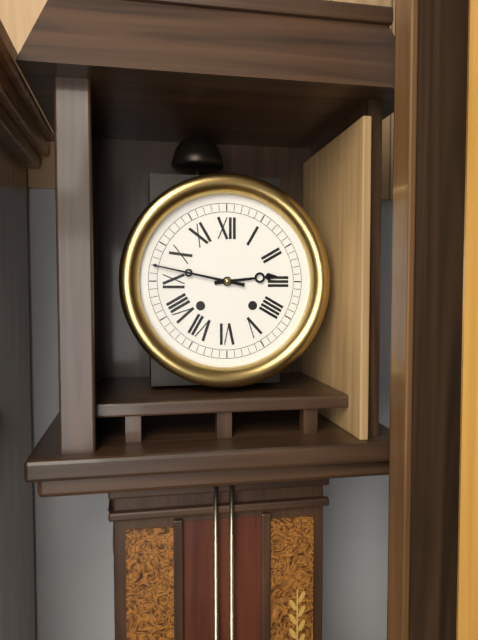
**2:47**
